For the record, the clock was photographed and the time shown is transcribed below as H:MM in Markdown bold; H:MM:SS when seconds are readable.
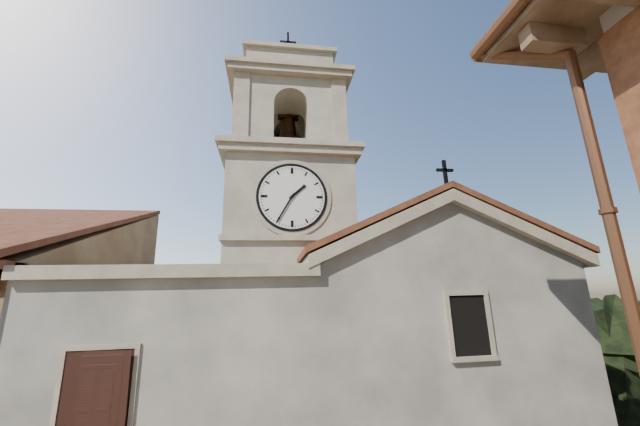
**1:35**
